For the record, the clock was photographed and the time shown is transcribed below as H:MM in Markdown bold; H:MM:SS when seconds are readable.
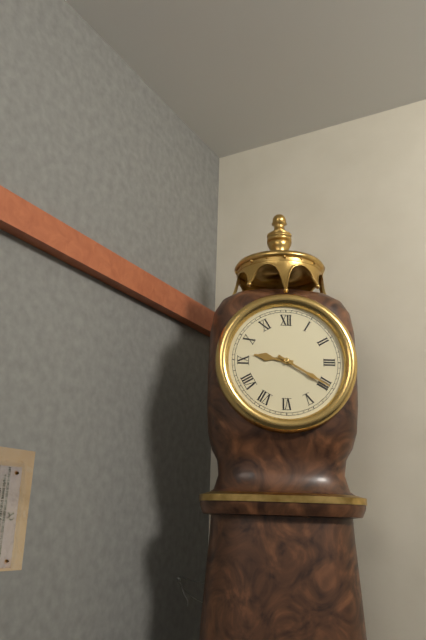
**9:20**
